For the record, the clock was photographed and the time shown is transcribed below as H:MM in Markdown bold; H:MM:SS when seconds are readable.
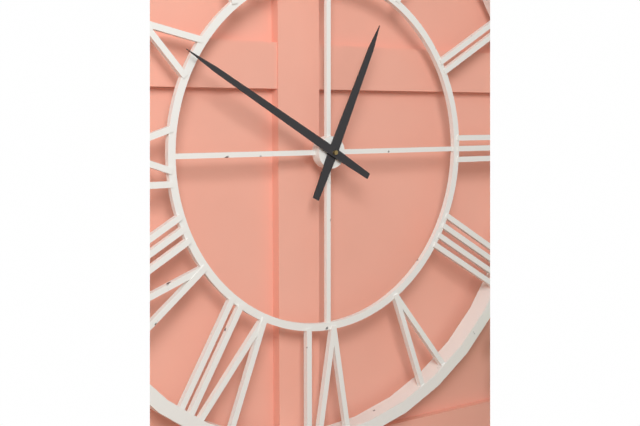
**12:50**
